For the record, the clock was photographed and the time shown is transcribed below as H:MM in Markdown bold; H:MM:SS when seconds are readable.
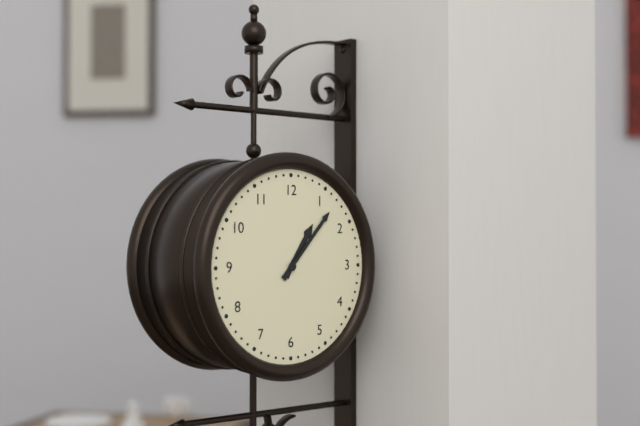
**1:07**
